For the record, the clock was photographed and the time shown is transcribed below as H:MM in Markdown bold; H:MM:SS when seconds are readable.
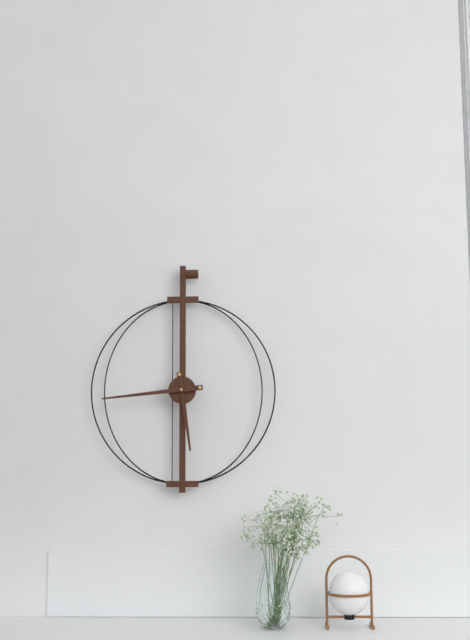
**5:44**
